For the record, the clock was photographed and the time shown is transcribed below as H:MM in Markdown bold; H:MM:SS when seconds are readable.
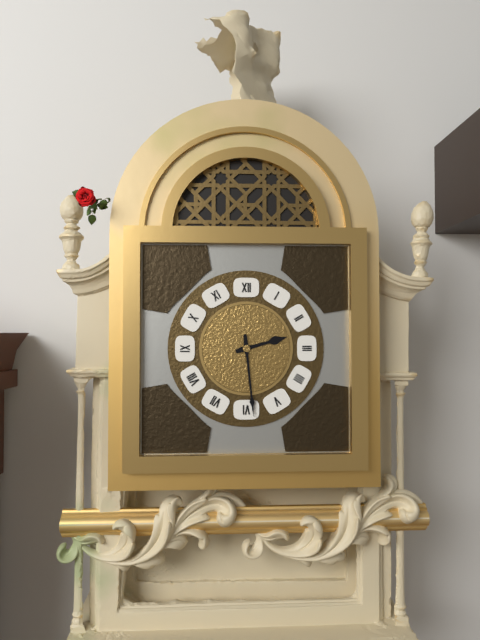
**2:29**
